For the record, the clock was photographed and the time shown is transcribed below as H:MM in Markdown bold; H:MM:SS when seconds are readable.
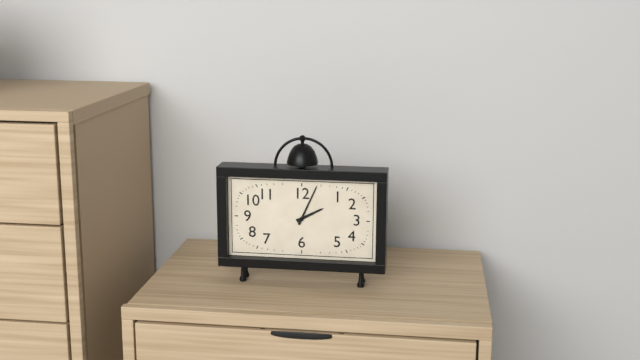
**2:04**
